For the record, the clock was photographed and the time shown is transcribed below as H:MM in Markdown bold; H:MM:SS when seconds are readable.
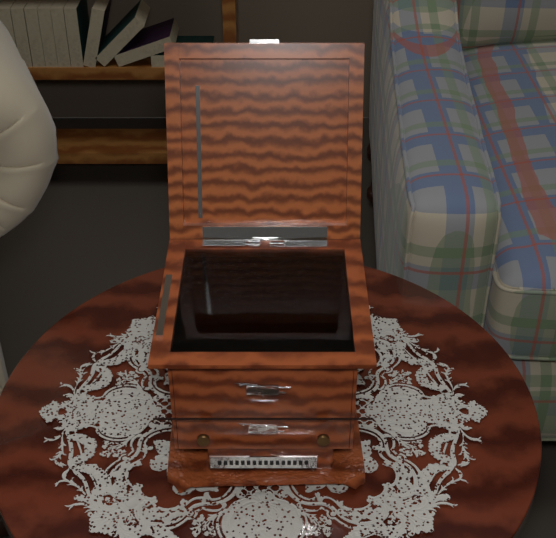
**1:33**
